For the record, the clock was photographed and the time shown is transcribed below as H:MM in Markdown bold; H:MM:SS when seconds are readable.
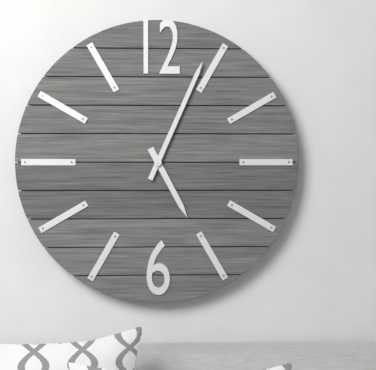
**5:04**
